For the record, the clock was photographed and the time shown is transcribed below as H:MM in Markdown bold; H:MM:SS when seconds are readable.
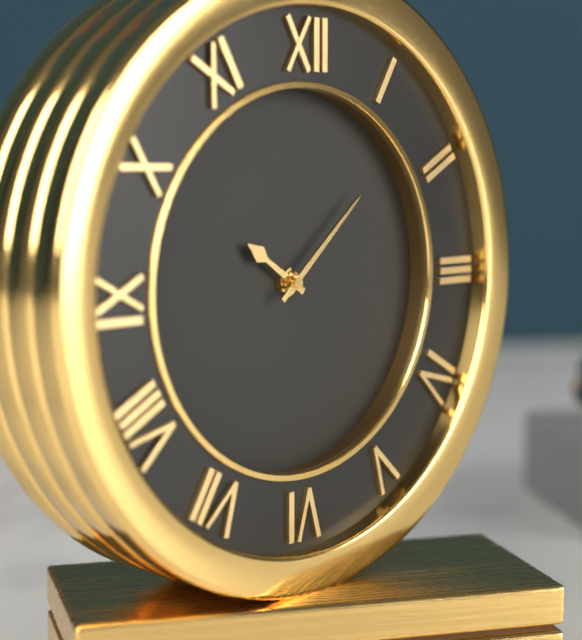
**10:08**
